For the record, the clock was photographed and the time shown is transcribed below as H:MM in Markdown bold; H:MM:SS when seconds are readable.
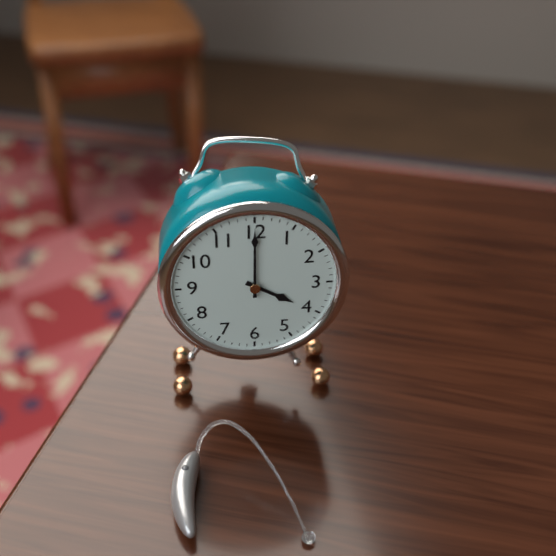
**4:00**
